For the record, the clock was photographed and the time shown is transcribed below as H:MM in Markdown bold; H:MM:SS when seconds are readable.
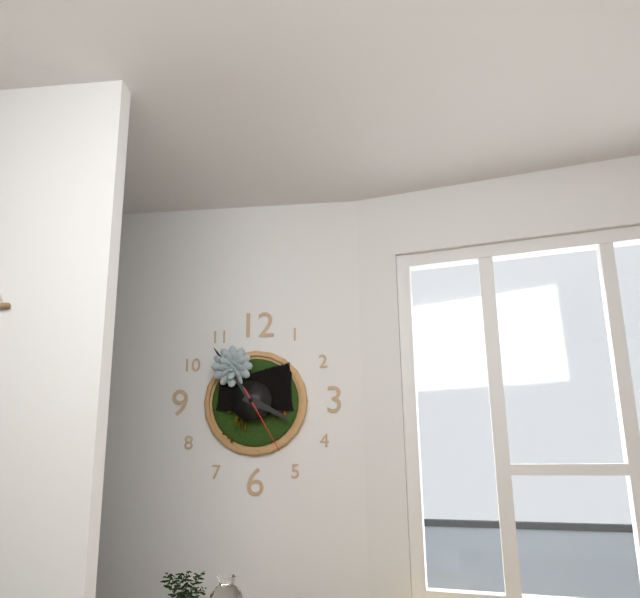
**3:54:25**
